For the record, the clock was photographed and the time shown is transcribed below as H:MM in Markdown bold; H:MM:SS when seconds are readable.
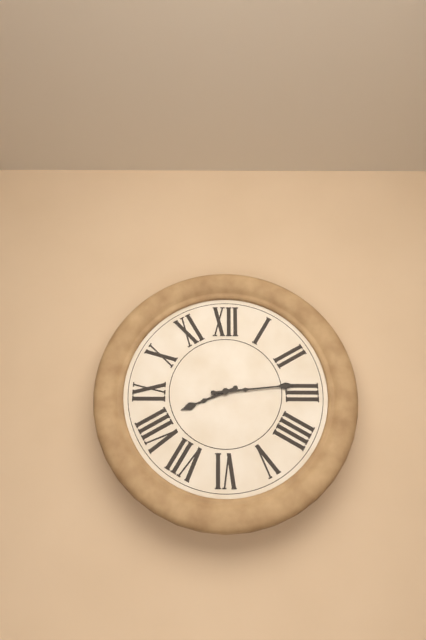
**8:14**
